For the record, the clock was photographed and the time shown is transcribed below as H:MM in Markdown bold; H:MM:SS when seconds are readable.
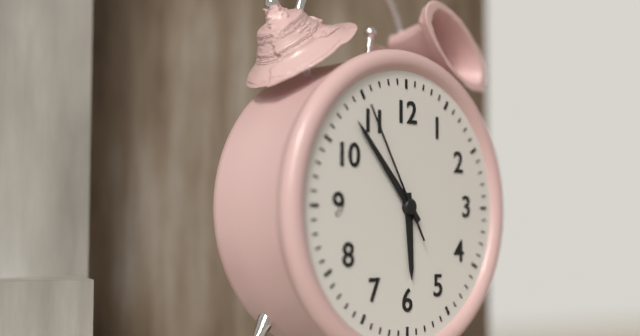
**5:53:55**
